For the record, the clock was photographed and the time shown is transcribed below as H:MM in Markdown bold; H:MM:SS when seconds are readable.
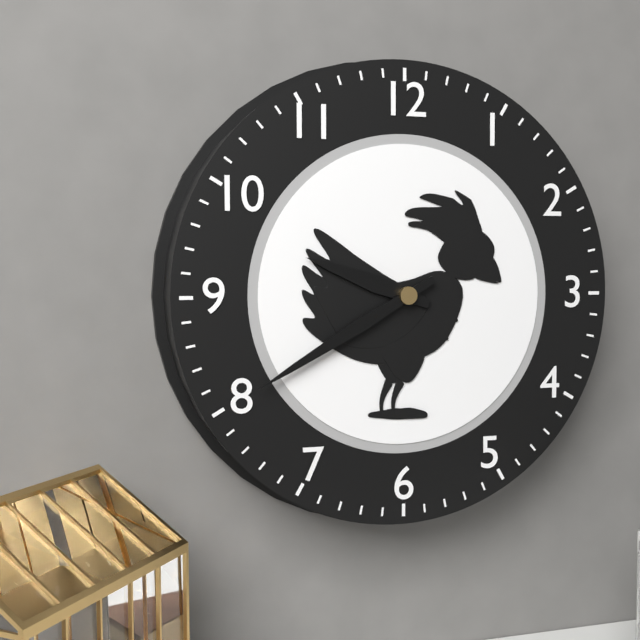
**9:40**
